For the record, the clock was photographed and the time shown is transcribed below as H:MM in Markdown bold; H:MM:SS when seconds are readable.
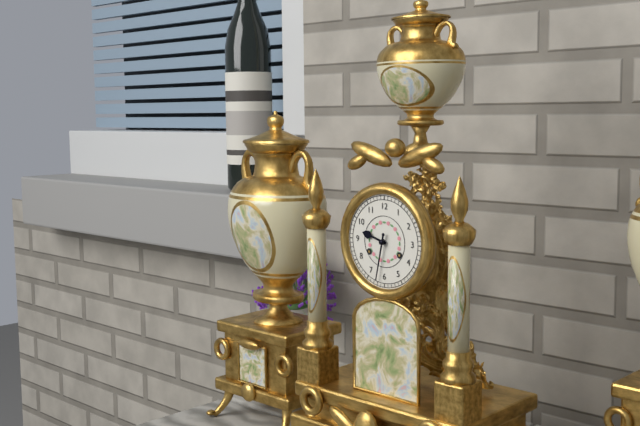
**9:32**
